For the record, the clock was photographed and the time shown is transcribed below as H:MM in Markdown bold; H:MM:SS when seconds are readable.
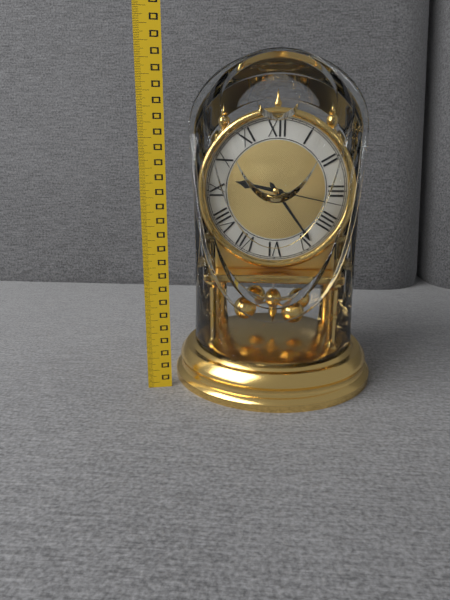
**9:24:17**
